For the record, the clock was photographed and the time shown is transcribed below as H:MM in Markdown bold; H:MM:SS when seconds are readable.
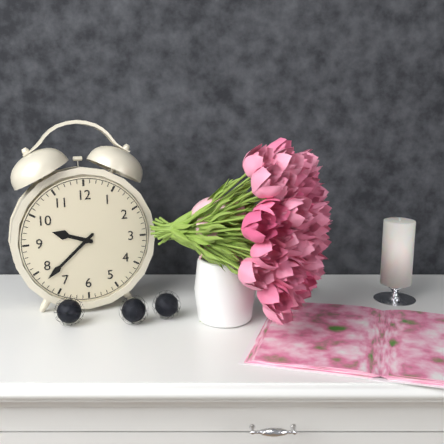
**9:38**
